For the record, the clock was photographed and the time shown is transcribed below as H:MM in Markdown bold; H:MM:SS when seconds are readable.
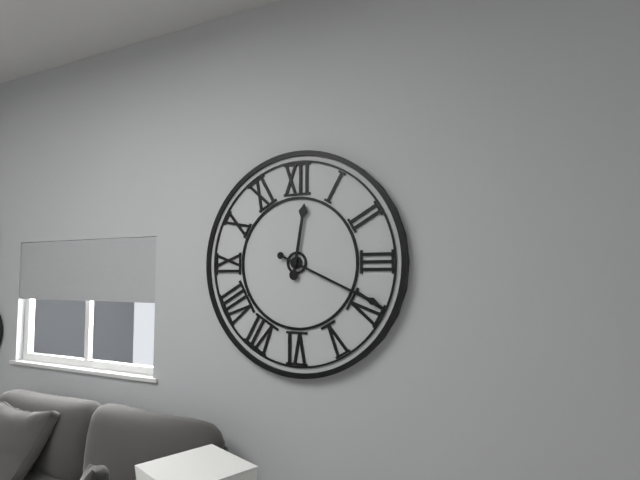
**12:19**
